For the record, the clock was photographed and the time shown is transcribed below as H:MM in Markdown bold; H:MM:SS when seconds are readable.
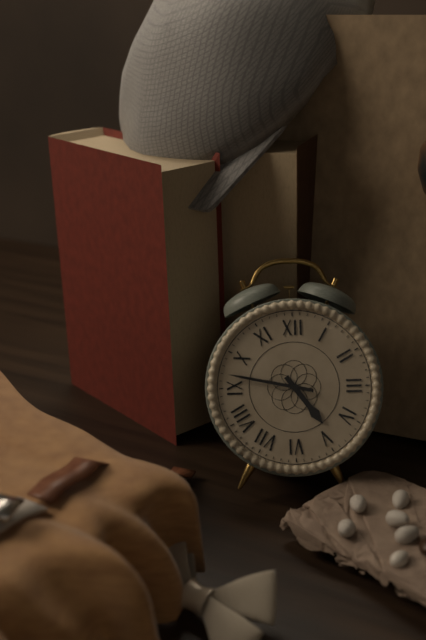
**4:47**
